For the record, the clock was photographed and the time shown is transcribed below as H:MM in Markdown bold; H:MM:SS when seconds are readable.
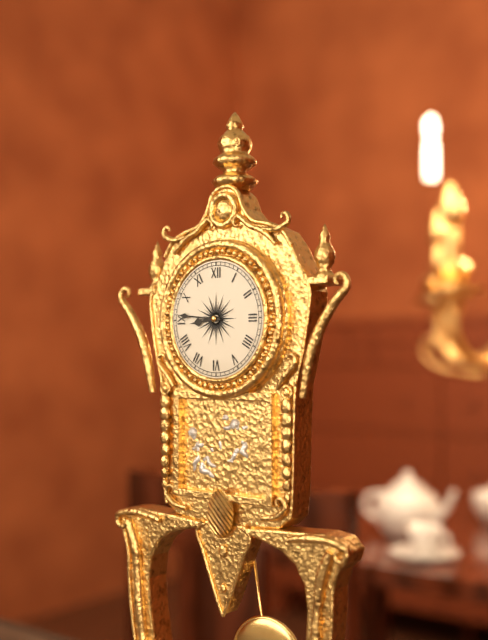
**8:46**
